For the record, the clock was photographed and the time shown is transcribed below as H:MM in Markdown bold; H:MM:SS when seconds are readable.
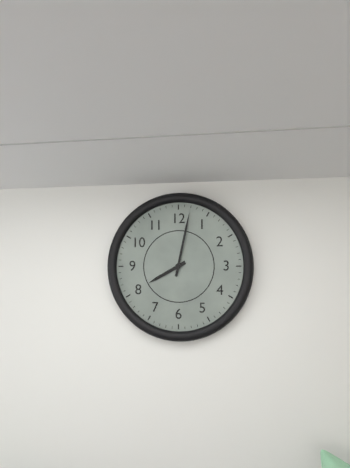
**8:02**
